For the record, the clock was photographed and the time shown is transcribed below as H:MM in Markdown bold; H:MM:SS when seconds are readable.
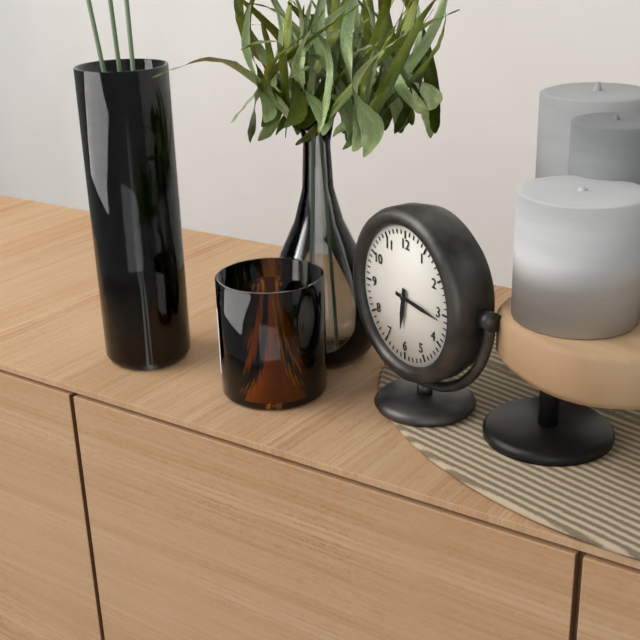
**6:16**
